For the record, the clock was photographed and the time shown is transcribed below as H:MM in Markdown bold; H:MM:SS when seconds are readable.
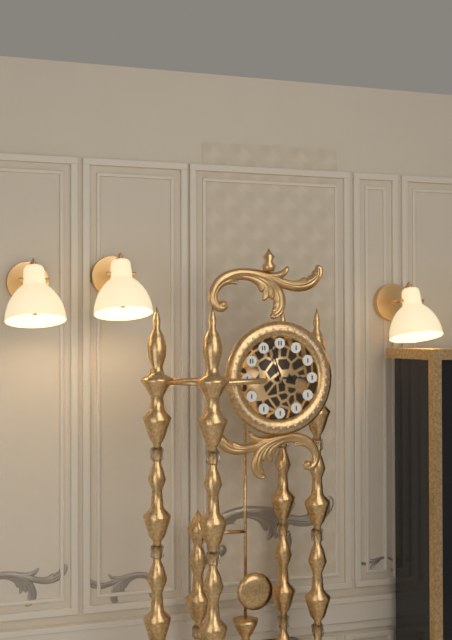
**2:57**
